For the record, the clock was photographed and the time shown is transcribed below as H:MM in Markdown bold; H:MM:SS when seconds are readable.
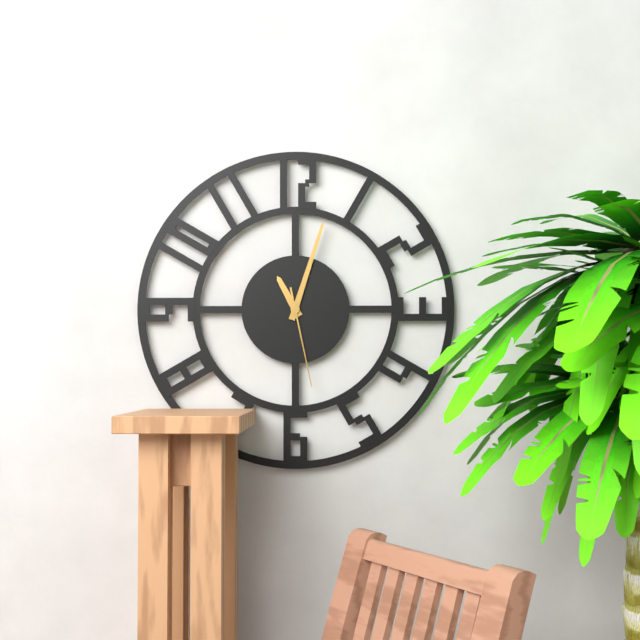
**11:03:28**
